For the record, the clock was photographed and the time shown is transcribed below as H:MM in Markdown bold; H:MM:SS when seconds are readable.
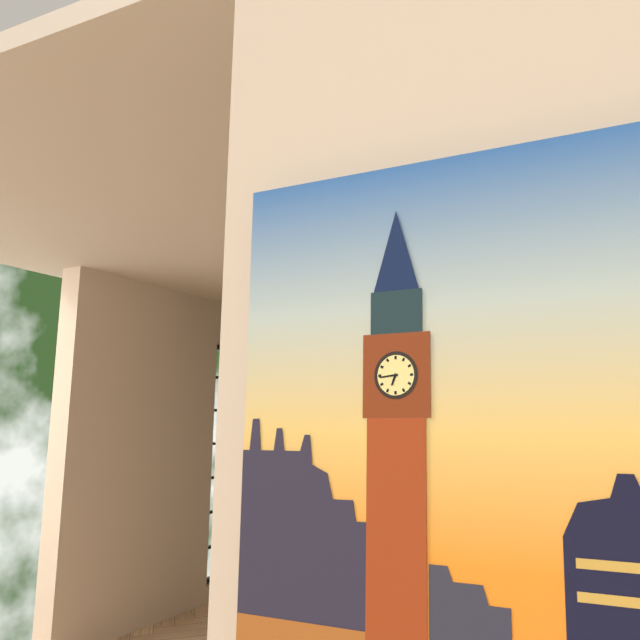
**6:44**
